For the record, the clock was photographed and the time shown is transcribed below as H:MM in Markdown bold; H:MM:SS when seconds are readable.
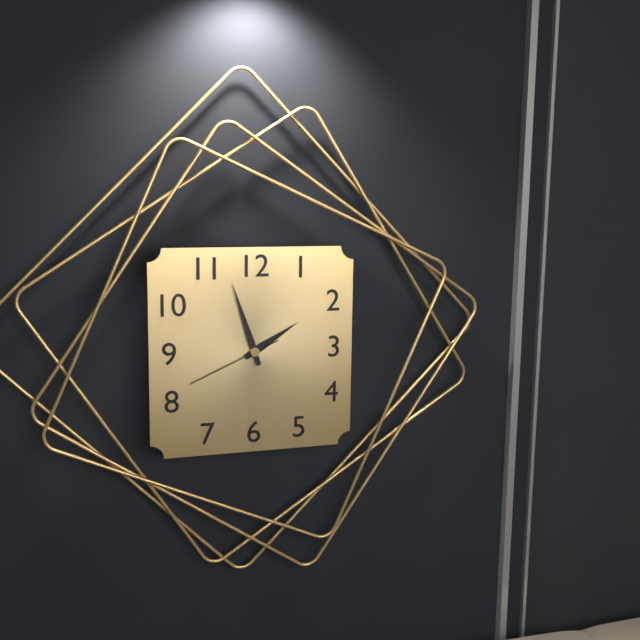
**1:57:41**
